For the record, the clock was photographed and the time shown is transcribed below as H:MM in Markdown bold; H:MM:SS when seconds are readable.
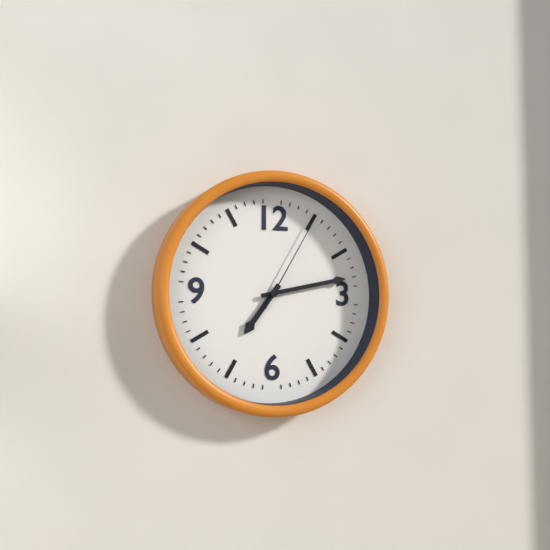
**7:13:05**
